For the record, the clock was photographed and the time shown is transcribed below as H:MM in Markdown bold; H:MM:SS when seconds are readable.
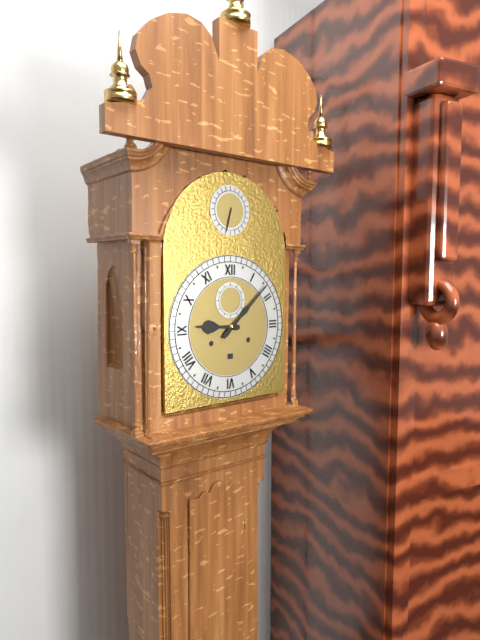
**9:08**
